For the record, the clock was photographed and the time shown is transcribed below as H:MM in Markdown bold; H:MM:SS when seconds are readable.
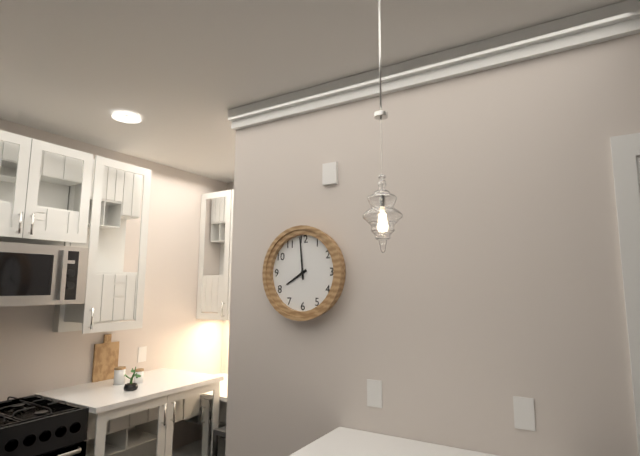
**7:59**
